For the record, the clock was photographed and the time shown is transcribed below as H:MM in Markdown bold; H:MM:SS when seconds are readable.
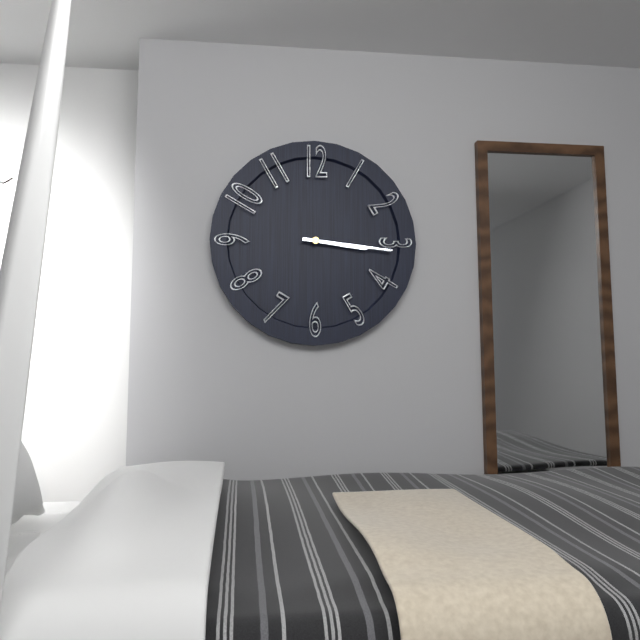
**3:16**
